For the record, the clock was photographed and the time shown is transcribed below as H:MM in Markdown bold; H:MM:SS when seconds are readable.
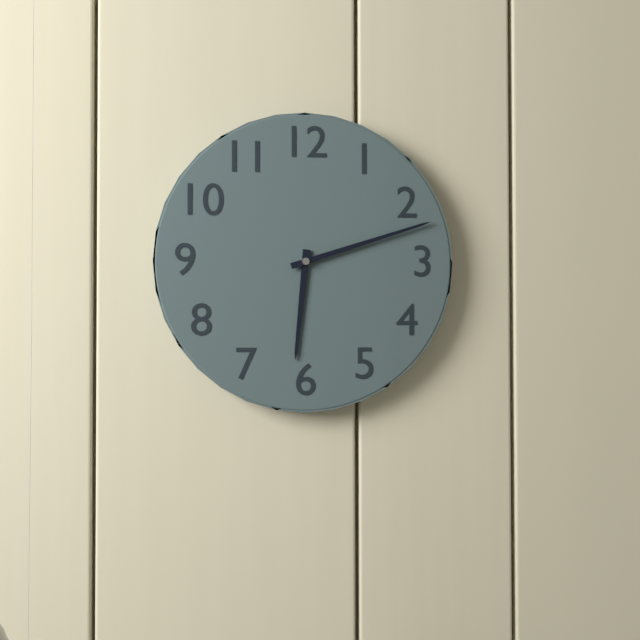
**6:12**
